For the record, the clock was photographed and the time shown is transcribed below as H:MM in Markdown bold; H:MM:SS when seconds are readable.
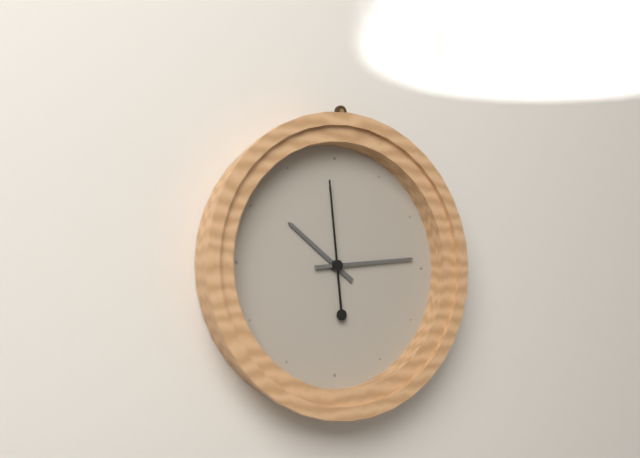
**10:14:59**
